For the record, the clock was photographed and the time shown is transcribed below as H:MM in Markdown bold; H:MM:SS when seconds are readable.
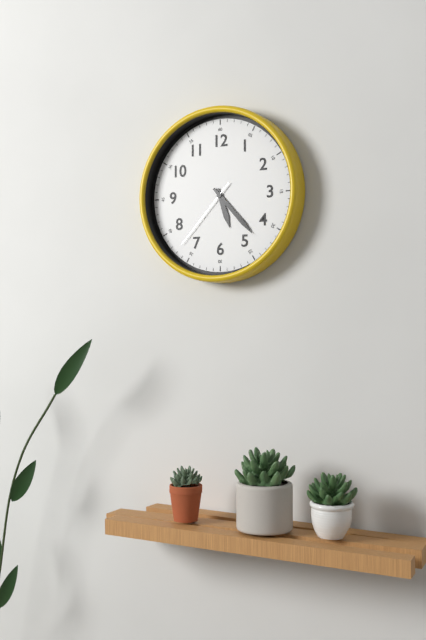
**5:23:37**
